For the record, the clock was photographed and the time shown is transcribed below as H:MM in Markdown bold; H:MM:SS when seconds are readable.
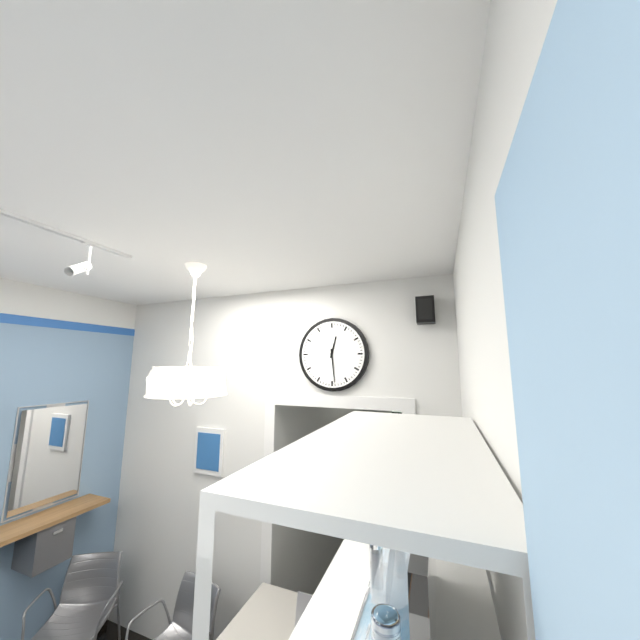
**12:29**
